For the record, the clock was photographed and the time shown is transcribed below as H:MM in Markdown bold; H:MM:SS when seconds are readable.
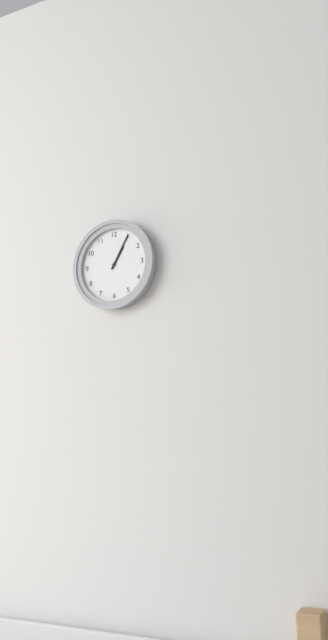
**1:05**
